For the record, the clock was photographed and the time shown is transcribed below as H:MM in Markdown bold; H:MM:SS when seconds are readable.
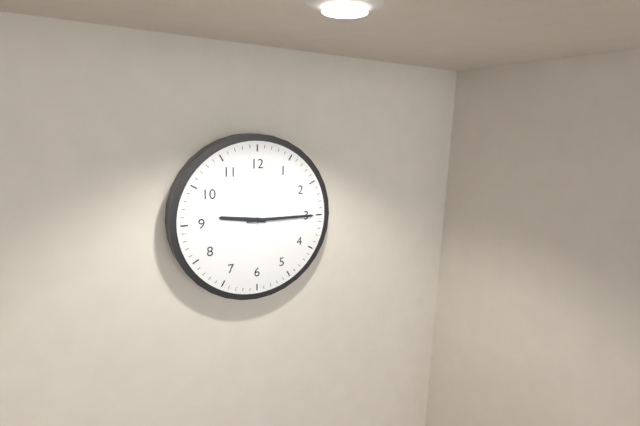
**9:15**
